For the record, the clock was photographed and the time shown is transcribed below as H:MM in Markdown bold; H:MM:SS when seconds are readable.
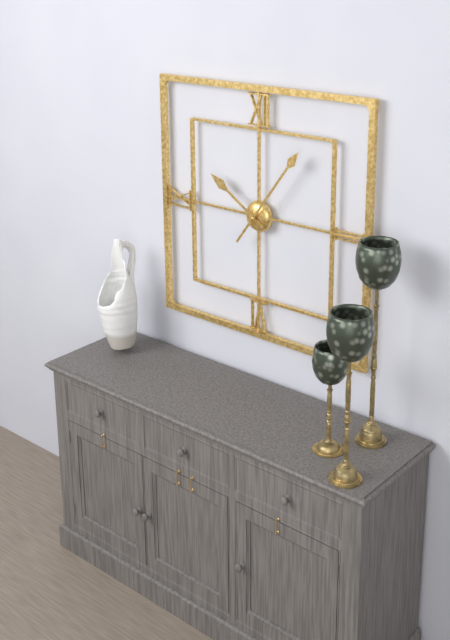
**10:06**
